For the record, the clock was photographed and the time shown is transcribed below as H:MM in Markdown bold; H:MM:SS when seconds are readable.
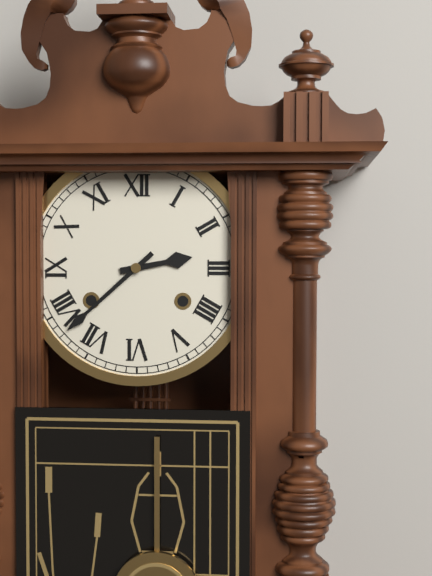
**2:38**
